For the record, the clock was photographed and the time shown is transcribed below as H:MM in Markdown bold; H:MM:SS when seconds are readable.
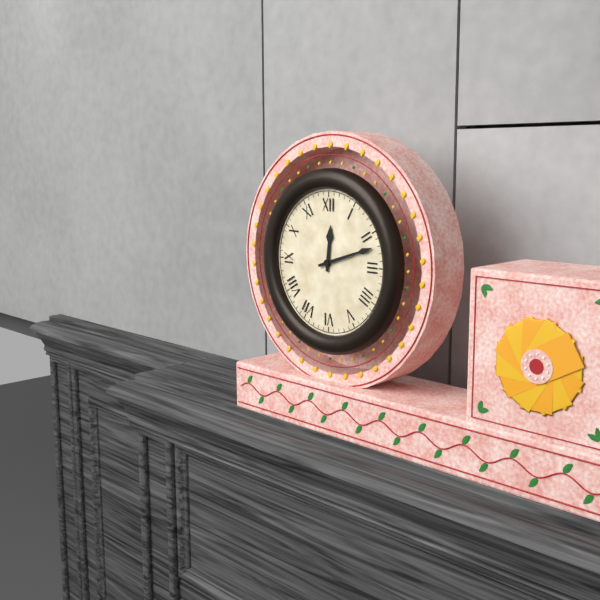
**12:12**
